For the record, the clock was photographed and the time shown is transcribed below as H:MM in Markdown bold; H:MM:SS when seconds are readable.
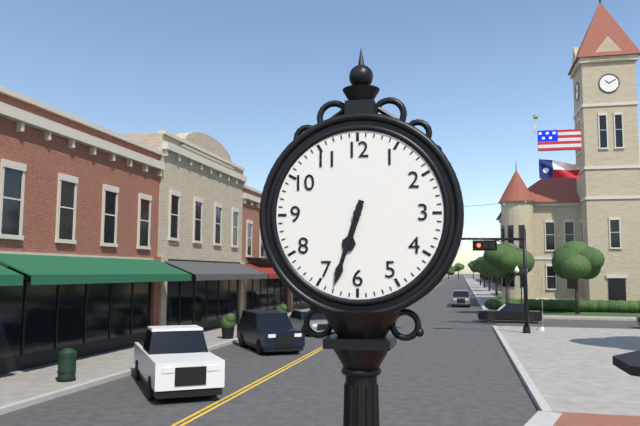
**6:33**
